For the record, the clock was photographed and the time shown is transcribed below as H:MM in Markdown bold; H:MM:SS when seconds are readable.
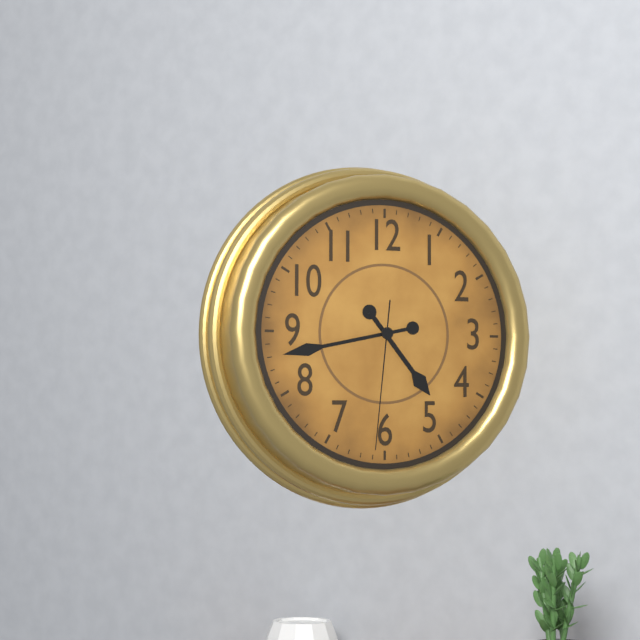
**4:43:31**
